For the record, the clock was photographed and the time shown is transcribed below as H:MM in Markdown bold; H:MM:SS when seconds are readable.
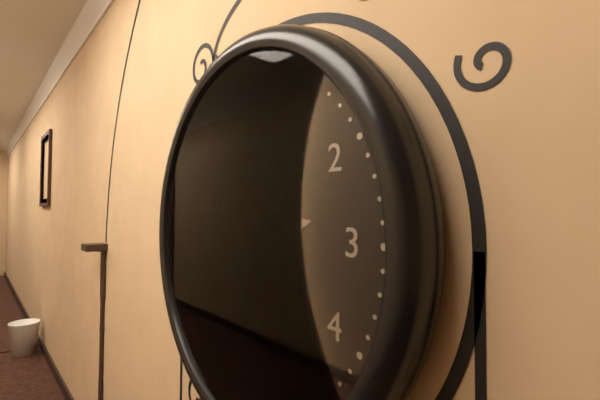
**2:39**
